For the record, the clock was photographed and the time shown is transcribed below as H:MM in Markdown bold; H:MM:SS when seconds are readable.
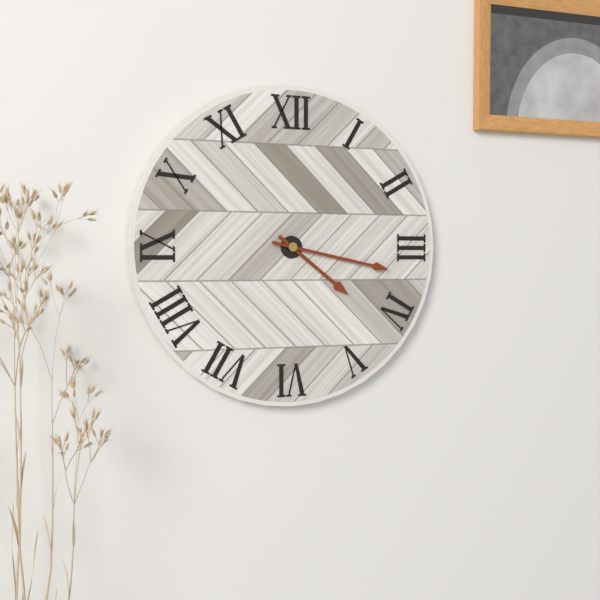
**4:17**
